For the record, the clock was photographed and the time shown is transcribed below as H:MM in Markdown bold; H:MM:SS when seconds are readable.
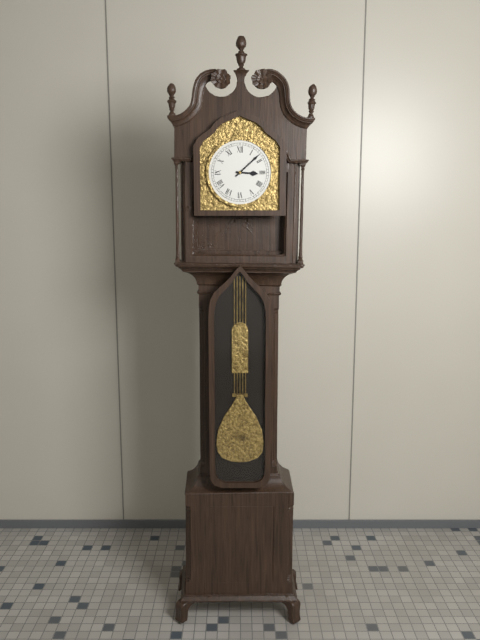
**3:08**
